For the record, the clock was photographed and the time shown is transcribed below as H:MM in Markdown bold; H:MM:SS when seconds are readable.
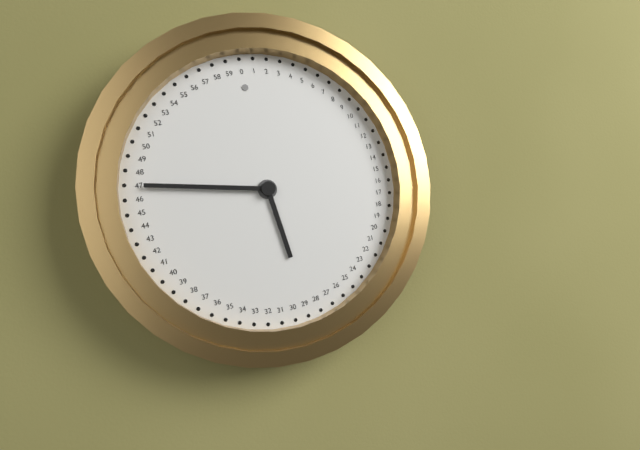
**5:47**
